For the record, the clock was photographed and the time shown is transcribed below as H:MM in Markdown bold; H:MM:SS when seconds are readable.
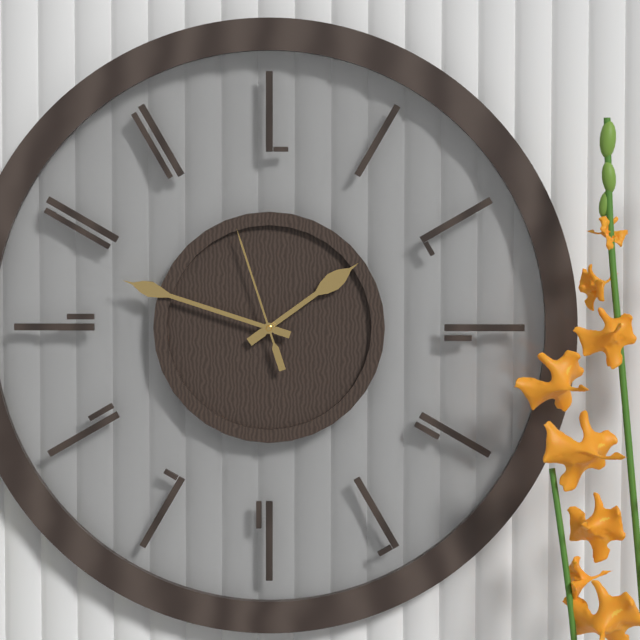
**1:48:57**
